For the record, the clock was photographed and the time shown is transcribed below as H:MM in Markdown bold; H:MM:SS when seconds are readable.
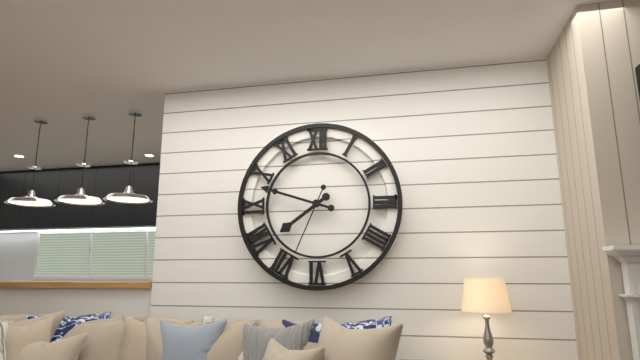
**7:48:34**
